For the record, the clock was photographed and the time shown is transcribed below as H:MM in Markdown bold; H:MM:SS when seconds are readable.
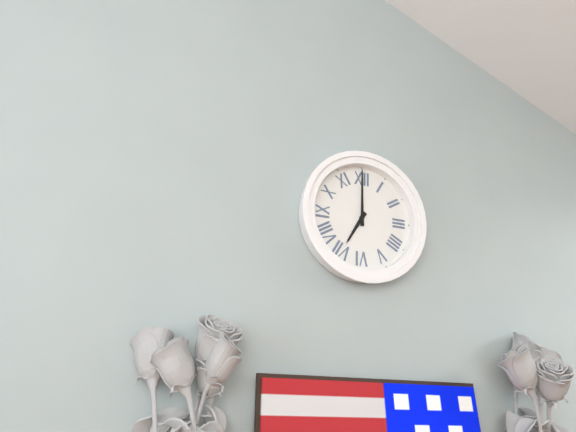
**7:00**
